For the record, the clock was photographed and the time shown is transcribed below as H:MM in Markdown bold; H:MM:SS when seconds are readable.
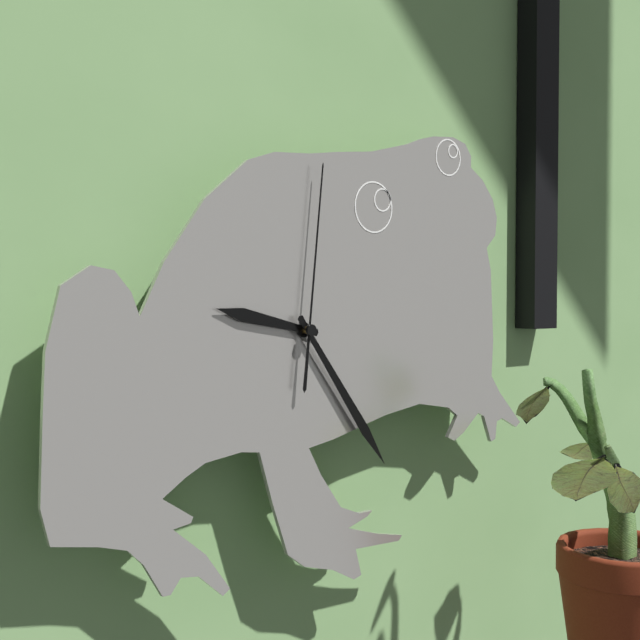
**9:24:01**
